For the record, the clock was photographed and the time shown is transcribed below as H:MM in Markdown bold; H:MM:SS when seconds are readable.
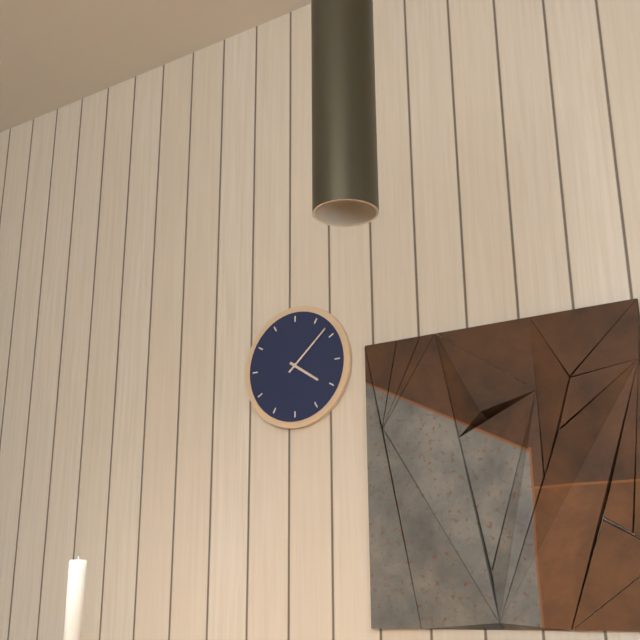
**4:08**
